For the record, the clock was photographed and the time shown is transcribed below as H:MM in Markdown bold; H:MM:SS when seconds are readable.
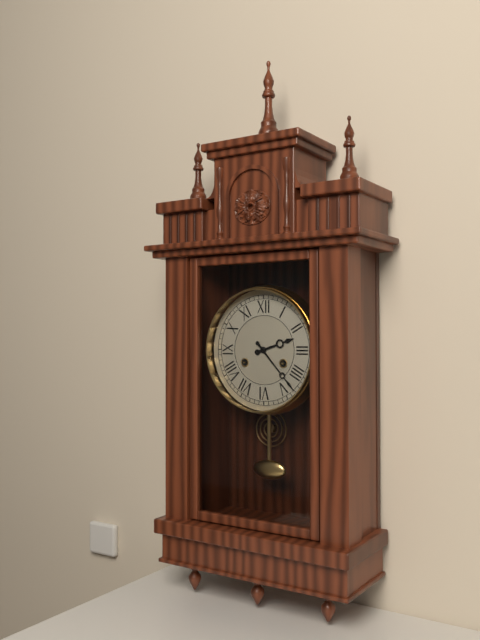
**2:23**
